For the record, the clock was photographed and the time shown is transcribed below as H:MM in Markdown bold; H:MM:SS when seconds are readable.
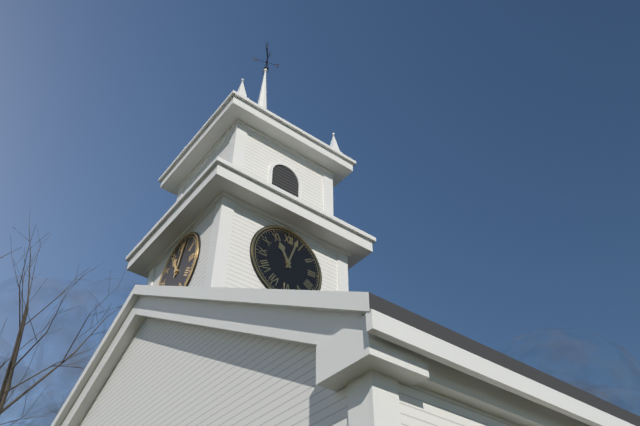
**11:03**
